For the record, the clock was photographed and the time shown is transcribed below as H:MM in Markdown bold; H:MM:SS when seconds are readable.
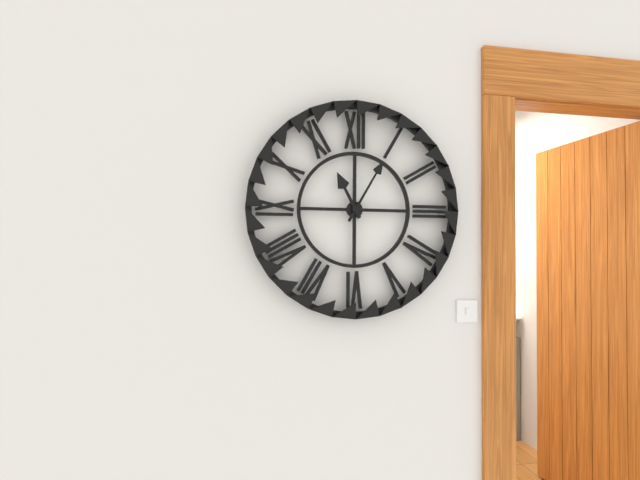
**11:05**
